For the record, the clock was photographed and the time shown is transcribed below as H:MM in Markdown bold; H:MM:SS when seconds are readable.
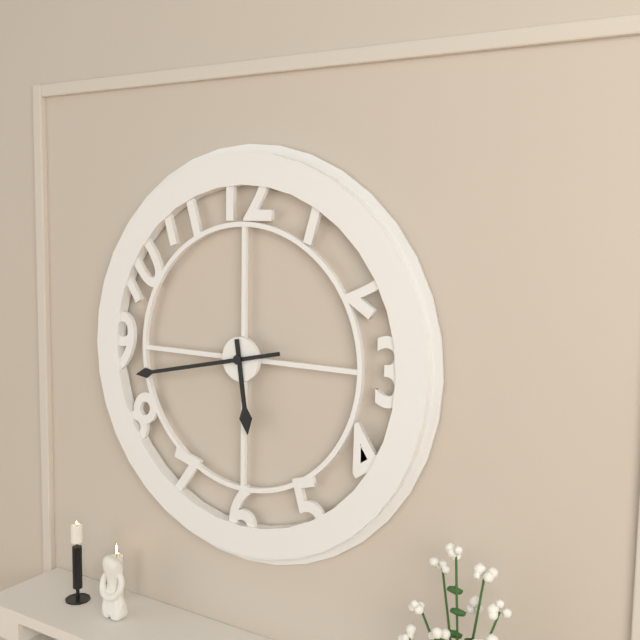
**5:43**
